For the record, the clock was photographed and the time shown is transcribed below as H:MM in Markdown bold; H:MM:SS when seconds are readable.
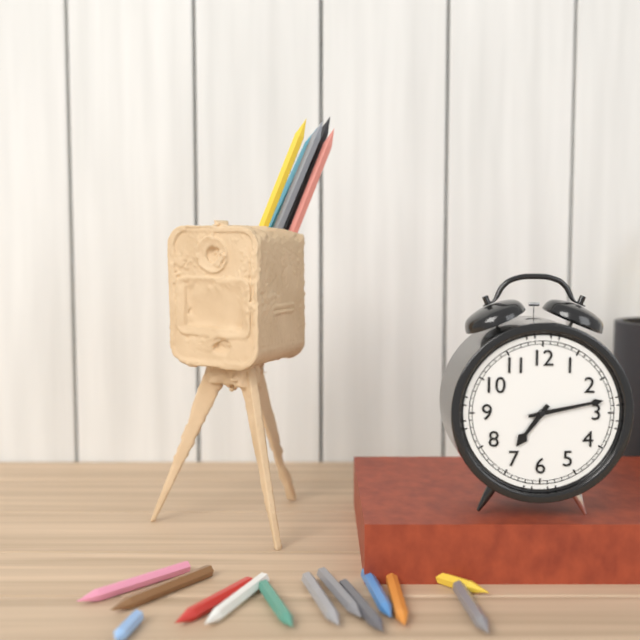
**7:13**
